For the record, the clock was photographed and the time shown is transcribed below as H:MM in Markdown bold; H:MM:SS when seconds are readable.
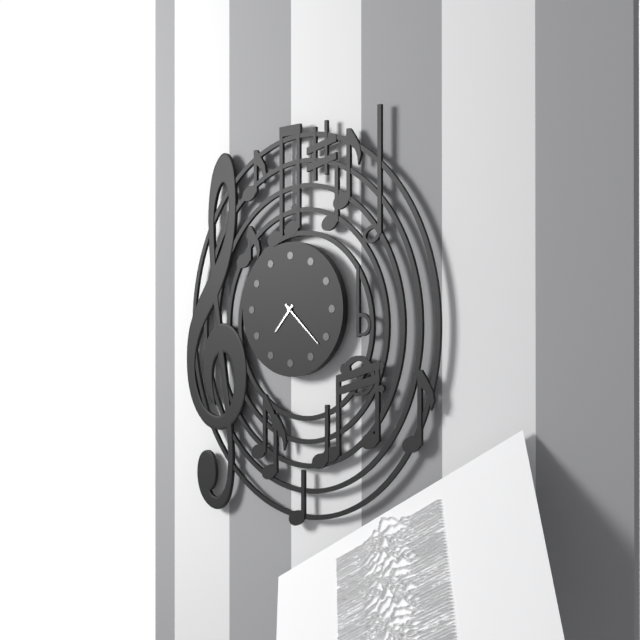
**7:22**
